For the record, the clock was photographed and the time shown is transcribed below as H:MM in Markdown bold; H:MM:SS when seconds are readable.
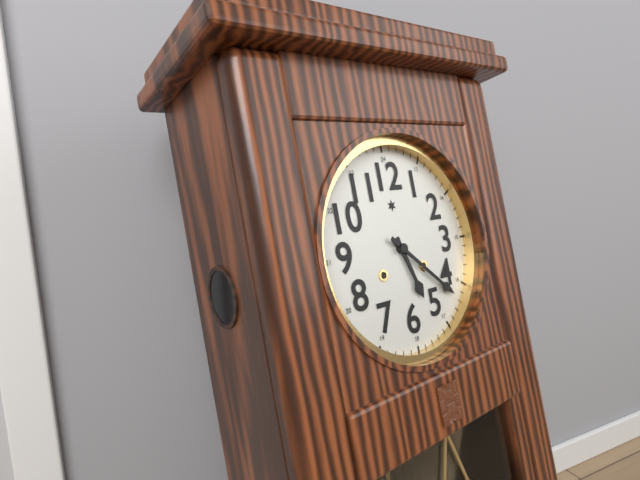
**5:22**
